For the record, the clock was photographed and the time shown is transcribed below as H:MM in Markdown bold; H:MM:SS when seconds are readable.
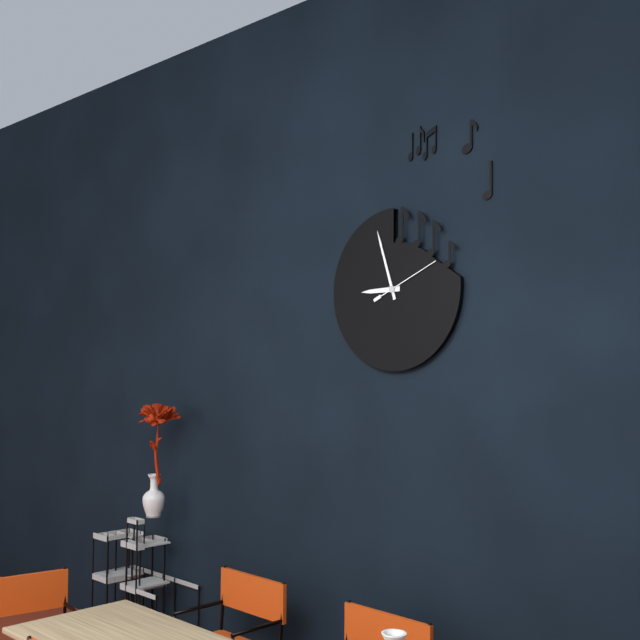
**8:57:11**
